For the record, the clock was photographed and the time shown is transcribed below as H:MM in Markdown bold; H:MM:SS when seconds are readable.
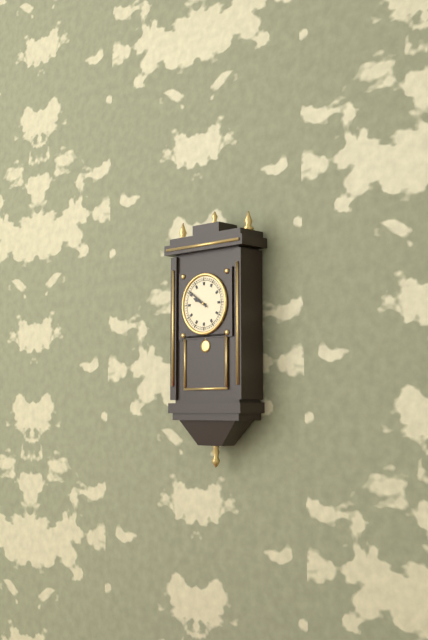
**9:51**
